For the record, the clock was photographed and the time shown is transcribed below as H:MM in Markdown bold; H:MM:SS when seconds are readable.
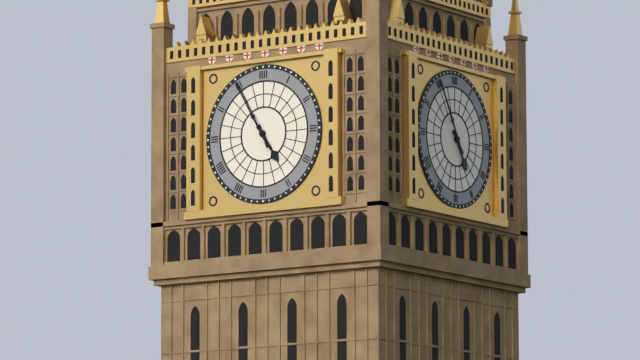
**4:55**
